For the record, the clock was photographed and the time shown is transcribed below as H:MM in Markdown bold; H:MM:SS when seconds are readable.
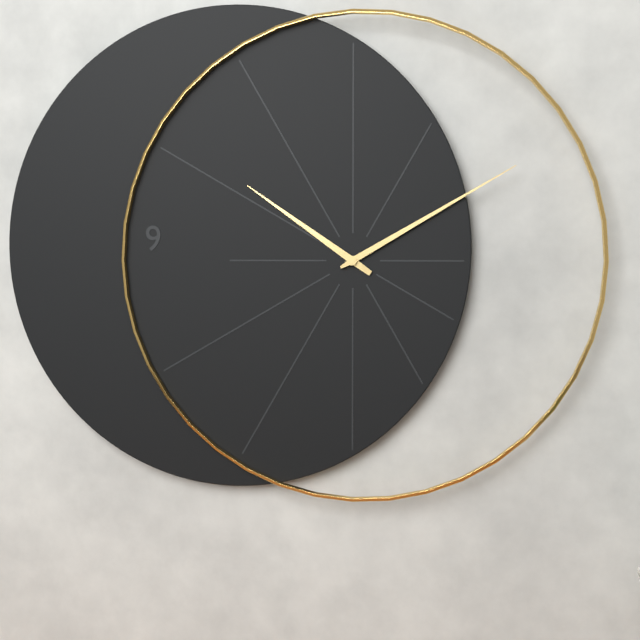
**10:10**
